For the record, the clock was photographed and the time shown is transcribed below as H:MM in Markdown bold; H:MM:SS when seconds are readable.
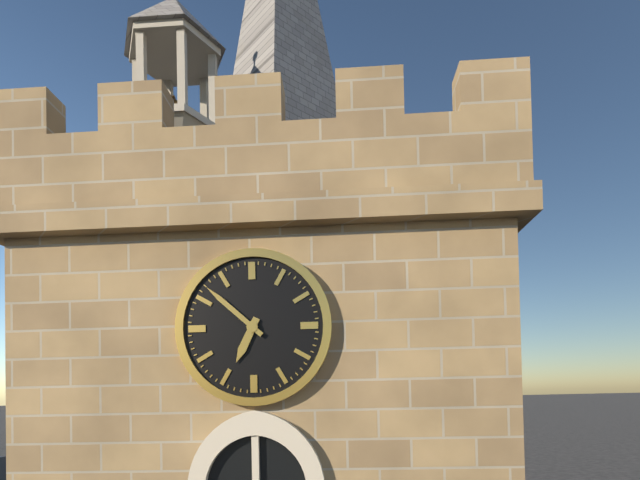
**6:52**
